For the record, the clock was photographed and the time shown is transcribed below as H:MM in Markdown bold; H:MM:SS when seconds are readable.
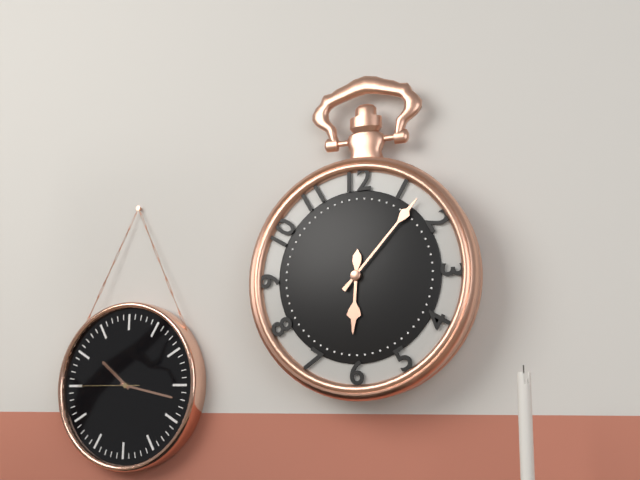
**6:07**
